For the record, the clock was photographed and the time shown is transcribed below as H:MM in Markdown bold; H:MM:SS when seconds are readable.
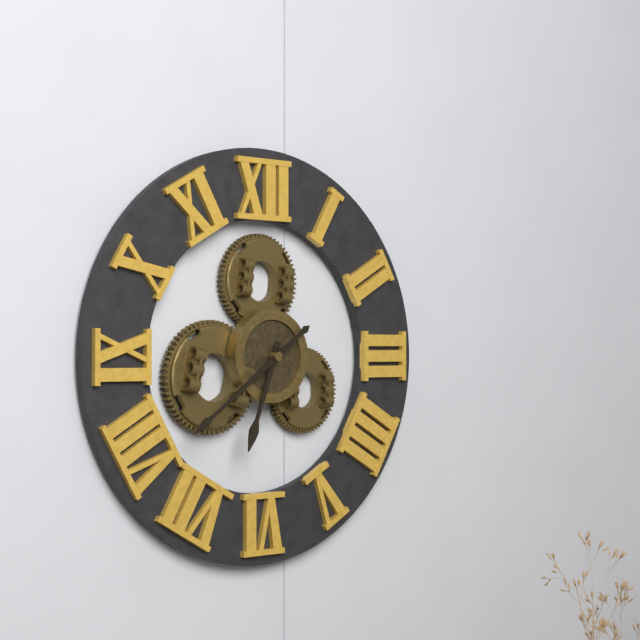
**6:39**
